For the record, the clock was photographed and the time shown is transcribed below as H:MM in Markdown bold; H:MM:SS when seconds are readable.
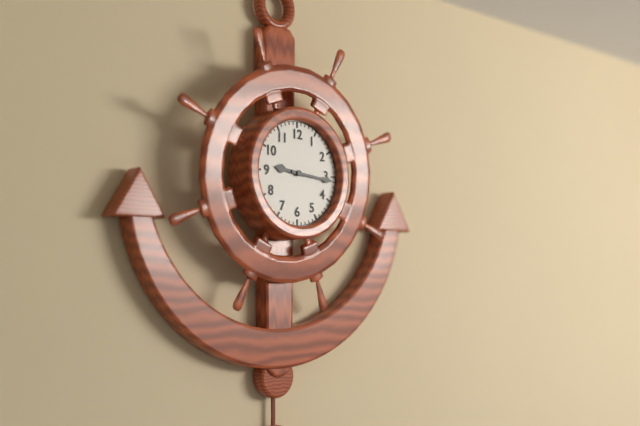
**9:16**
